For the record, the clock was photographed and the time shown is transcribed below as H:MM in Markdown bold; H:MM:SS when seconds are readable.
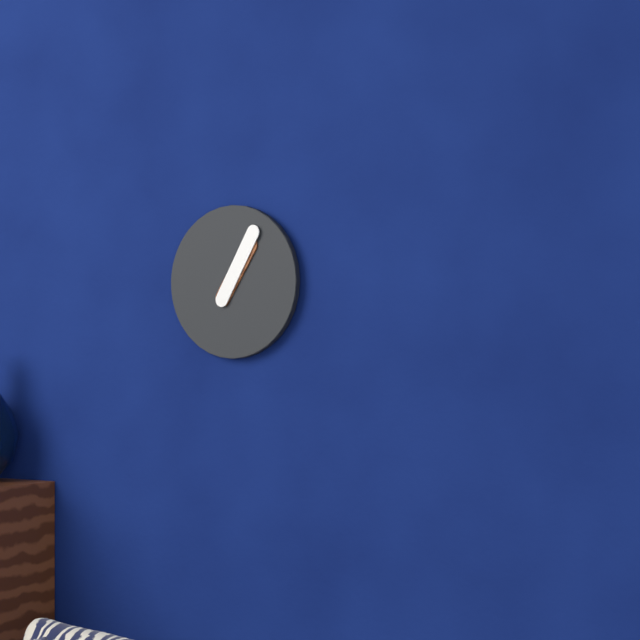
**1:05**
